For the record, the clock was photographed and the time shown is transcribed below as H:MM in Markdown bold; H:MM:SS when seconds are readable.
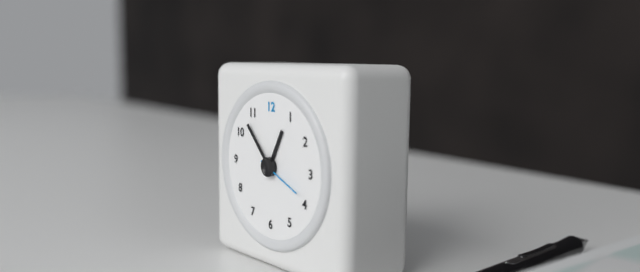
**12:53**
